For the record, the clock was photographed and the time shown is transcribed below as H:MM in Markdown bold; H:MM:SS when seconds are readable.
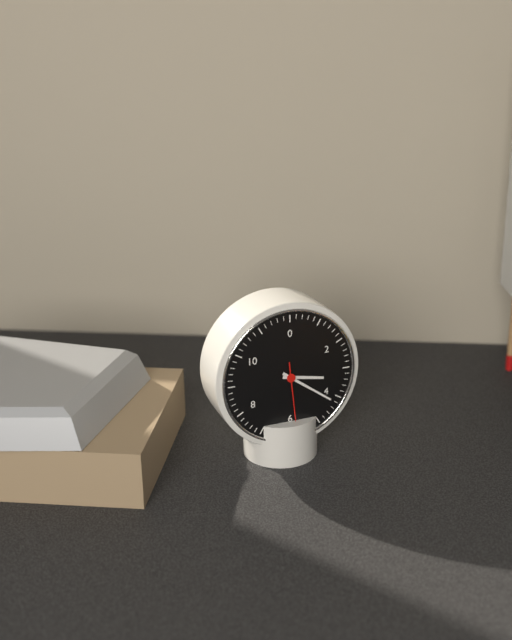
**3:21:29**
